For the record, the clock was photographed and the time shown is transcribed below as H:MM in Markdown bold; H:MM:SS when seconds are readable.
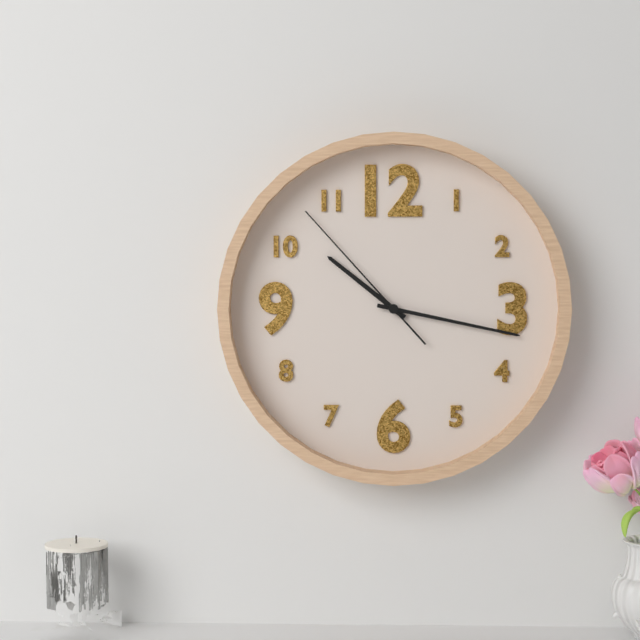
**10:17:53**
